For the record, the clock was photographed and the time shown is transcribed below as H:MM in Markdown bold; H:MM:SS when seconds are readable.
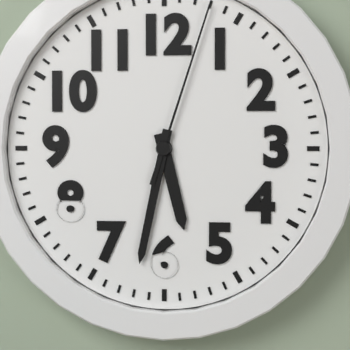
**5:32:03**
